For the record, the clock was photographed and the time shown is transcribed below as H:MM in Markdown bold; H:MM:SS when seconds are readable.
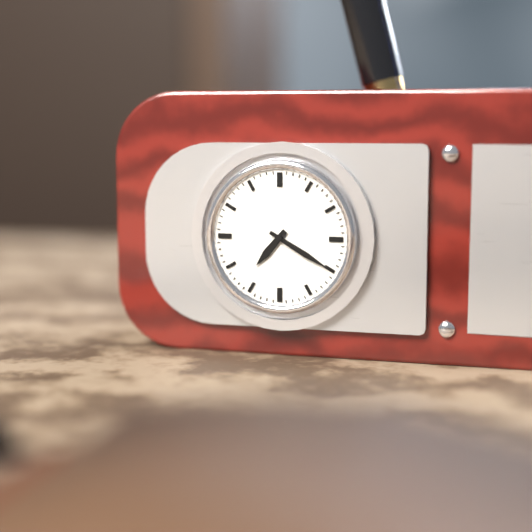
**7:20**
